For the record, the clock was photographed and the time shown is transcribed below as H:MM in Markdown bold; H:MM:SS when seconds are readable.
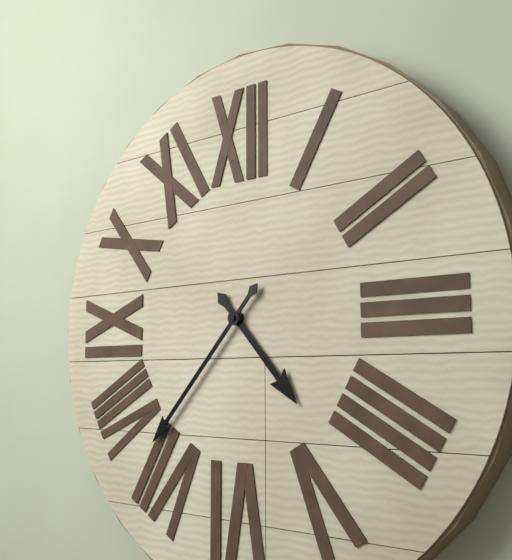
**4:37**
